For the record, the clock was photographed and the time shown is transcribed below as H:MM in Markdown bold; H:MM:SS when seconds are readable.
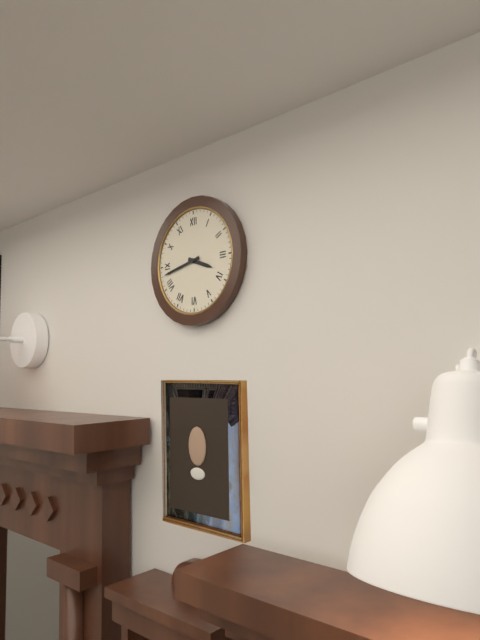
**3:43**
